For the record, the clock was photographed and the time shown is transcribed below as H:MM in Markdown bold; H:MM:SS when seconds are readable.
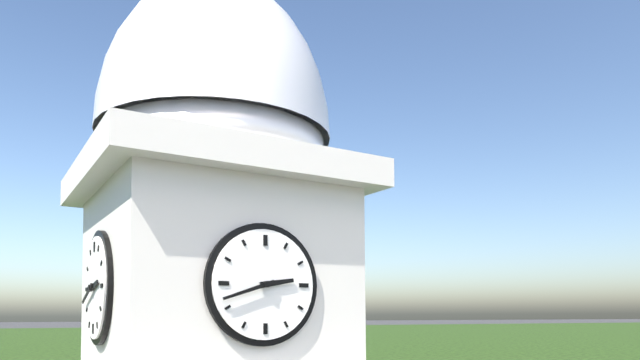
**2:42**
